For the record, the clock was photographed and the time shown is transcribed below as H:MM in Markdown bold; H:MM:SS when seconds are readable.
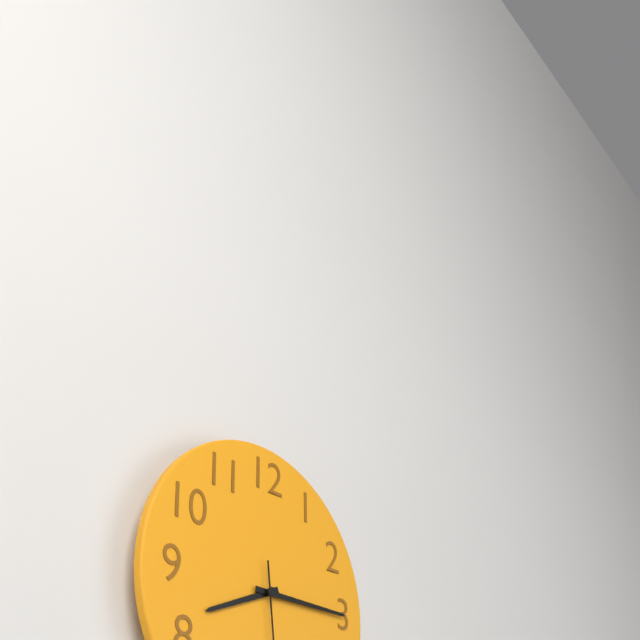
**8:15**
